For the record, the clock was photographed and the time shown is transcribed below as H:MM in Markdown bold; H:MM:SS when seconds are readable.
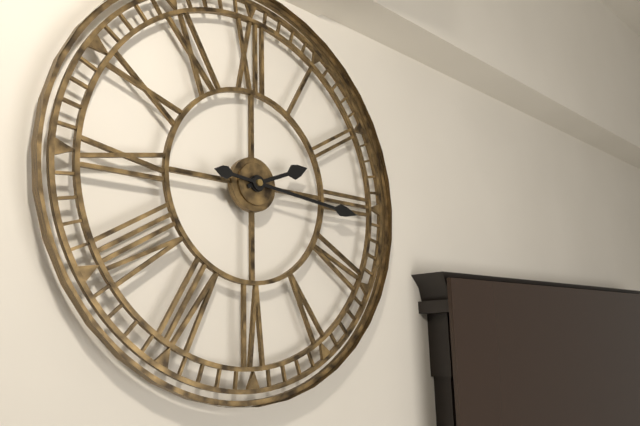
**2:16**
